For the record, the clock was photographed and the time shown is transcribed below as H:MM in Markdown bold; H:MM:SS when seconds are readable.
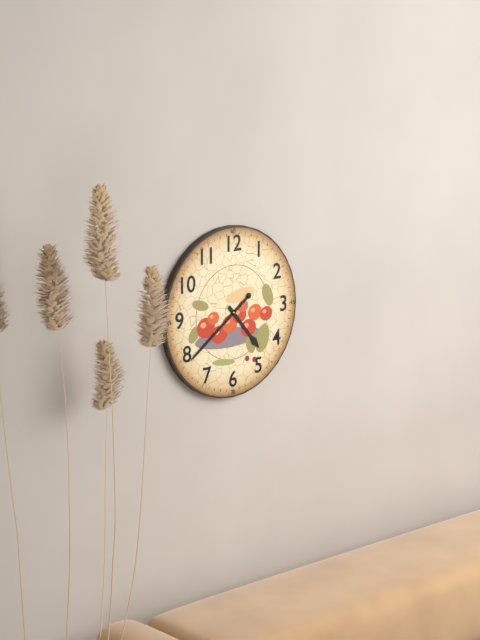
**4:39**
